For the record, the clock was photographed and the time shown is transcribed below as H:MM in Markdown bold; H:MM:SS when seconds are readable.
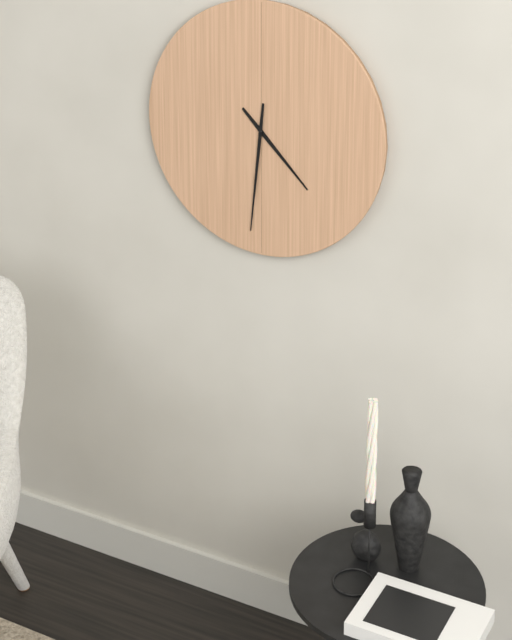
**4:31**
